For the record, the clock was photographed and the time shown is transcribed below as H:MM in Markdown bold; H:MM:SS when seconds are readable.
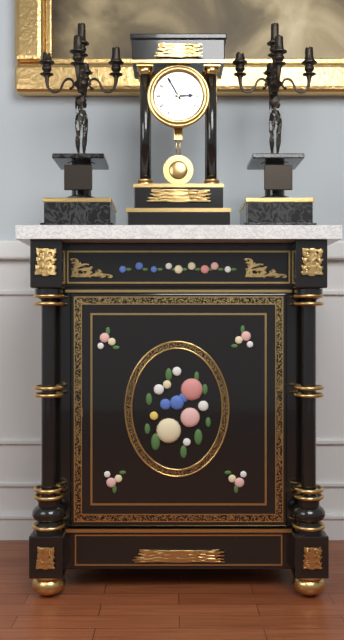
**2:55**
